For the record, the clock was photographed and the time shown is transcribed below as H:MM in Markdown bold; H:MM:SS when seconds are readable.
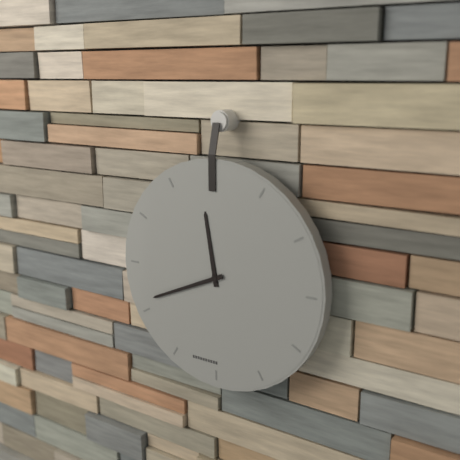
**11:41**
